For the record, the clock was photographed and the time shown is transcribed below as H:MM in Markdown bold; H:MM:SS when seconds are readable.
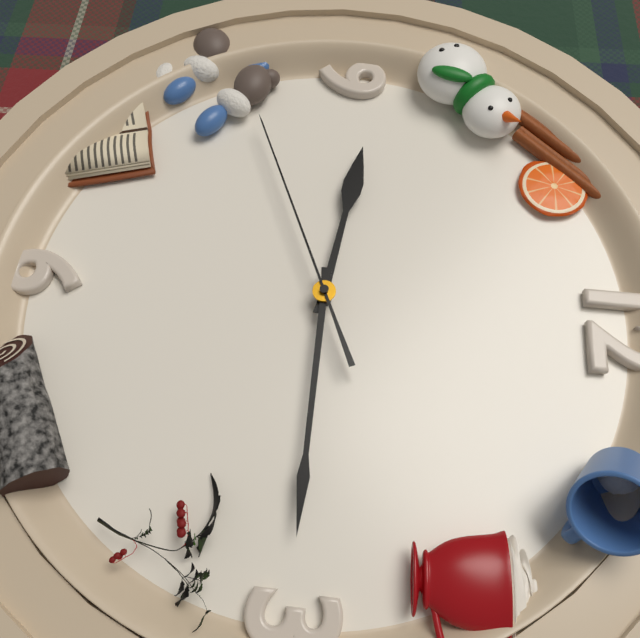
**9:15:41**
